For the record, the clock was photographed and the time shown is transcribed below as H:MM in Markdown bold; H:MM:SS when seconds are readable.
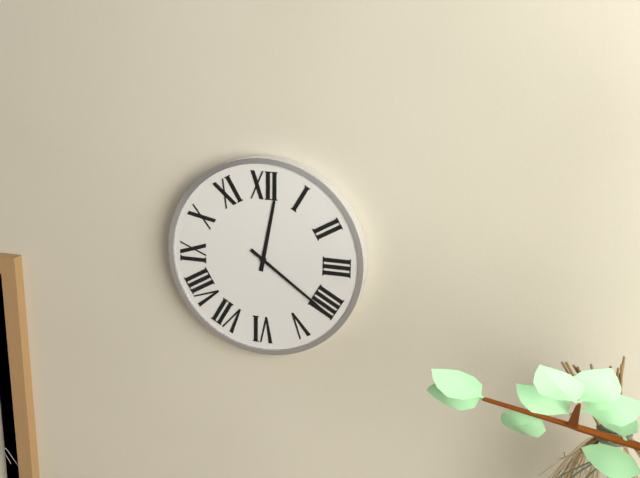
**12:21**
